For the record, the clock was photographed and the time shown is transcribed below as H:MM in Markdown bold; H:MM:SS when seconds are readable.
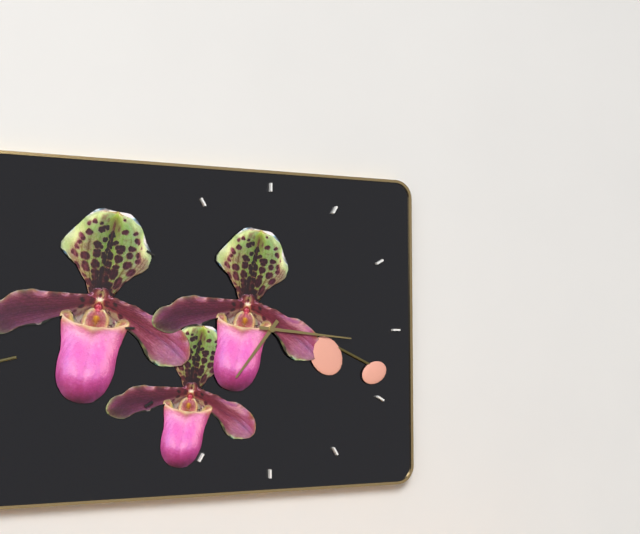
**7:16**
